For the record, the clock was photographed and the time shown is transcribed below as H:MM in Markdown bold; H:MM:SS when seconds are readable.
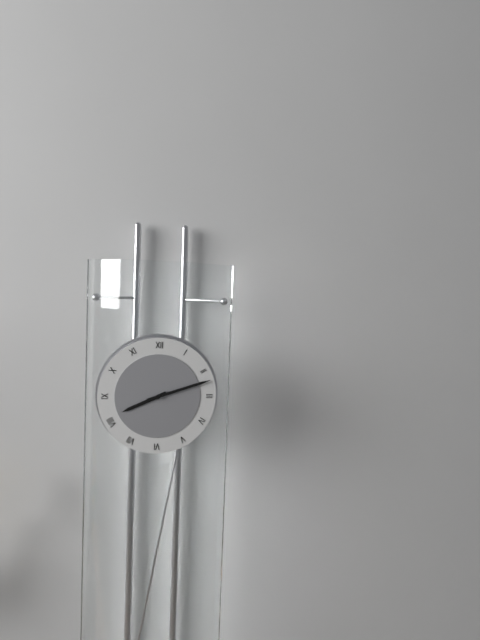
**8:12**
